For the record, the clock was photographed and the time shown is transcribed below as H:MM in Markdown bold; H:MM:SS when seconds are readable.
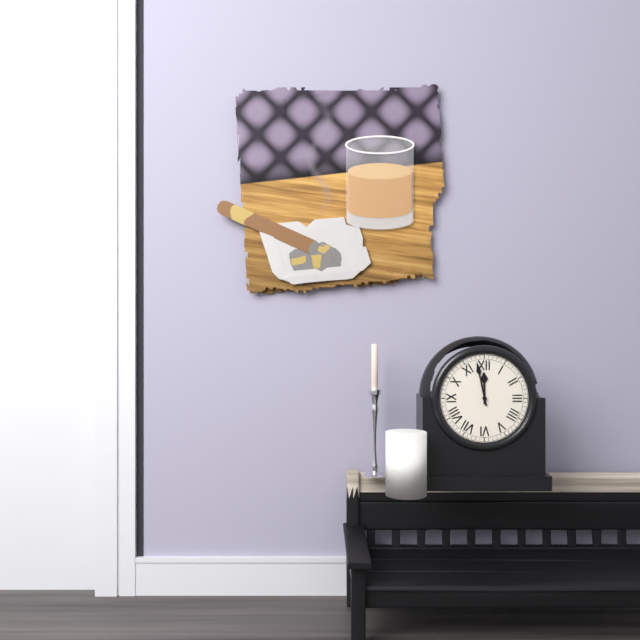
**11:58**
